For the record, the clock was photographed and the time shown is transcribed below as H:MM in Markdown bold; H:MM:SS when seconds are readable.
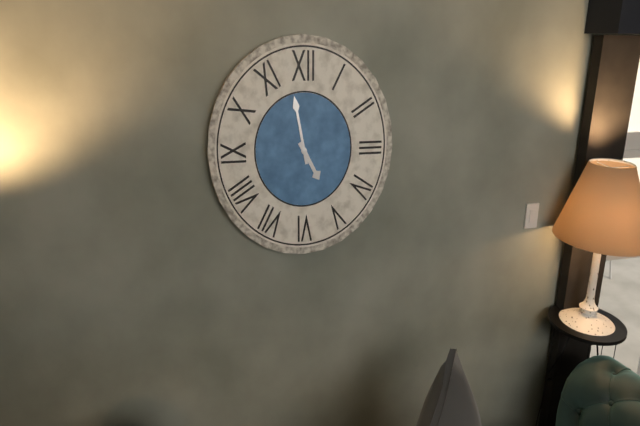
**4:58**
